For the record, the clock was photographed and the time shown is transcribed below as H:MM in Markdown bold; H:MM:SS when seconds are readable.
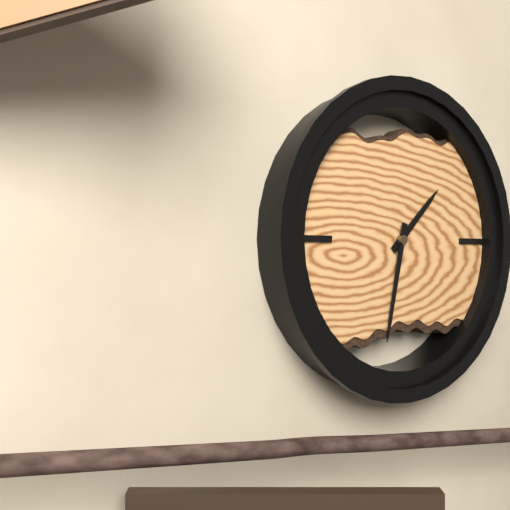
**1:32**
